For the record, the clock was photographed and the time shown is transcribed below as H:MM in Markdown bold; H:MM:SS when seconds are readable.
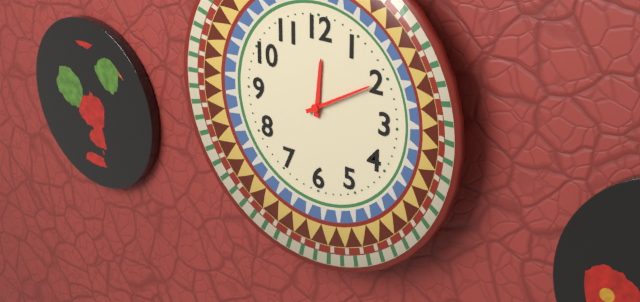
**12:10**
